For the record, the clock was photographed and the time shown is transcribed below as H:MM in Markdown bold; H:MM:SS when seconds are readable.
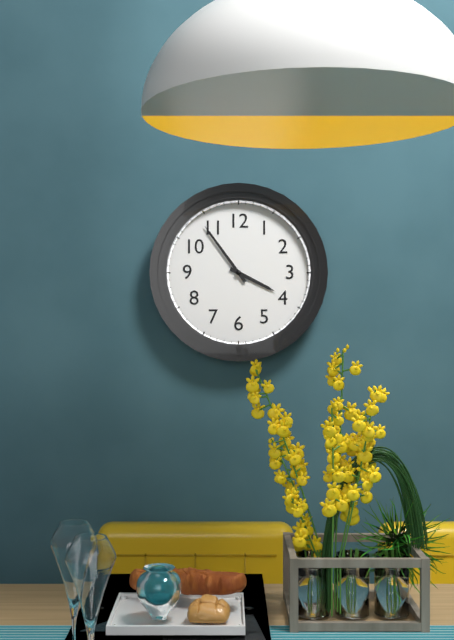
**3:54**
